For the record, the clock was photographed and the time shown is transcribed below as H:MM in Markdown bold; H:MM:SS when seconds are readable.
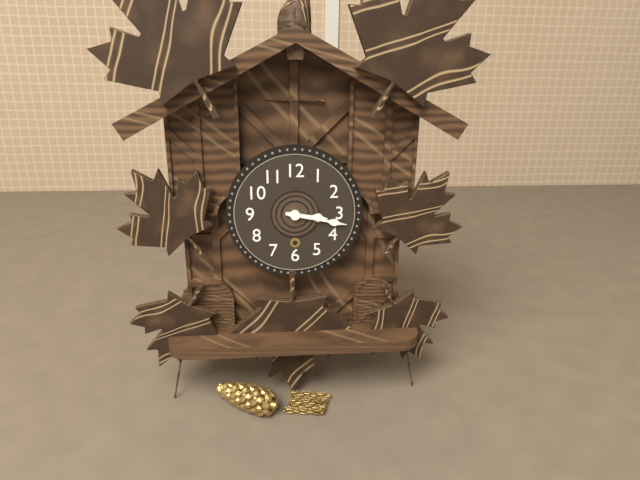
**3:17**
